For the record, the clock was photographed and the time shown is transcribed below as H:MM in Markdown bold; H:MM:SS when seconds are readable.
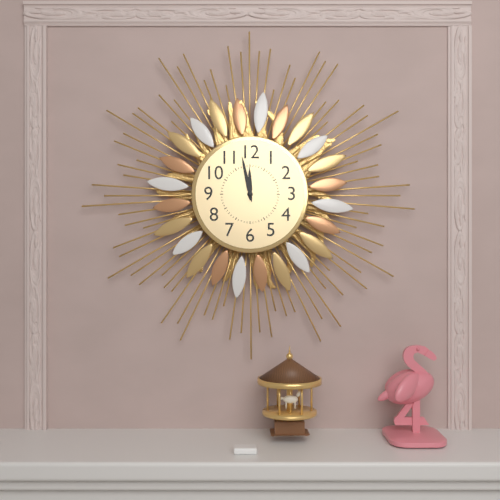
**11:58**
